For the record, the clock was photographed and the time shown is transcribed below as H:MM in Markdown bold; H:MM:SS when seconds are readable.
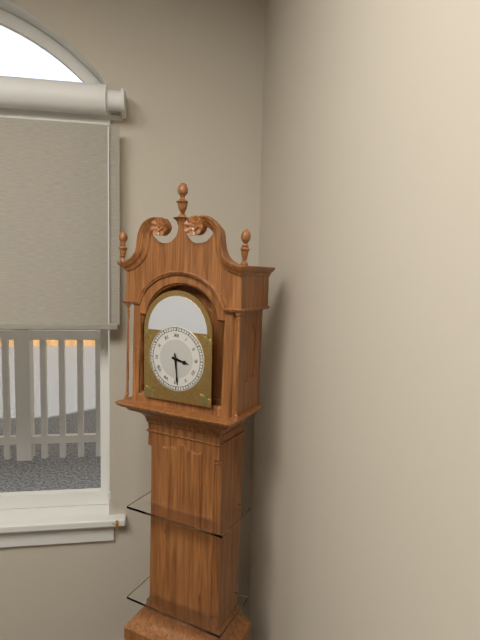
**3:29**
